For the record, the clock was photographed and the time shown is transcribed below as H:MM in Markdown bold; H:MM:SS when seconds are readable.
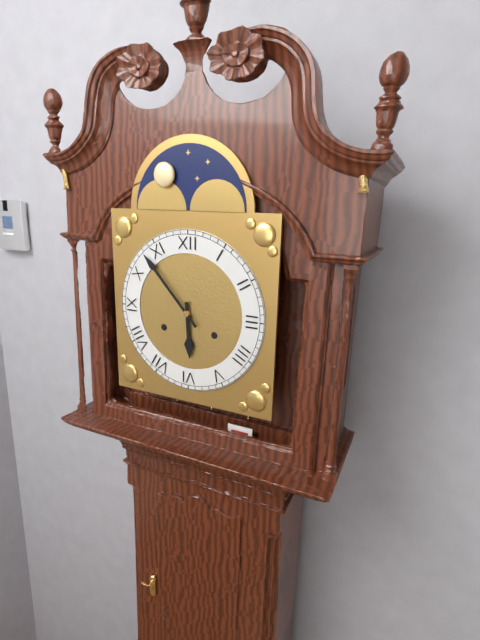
**5:53**
